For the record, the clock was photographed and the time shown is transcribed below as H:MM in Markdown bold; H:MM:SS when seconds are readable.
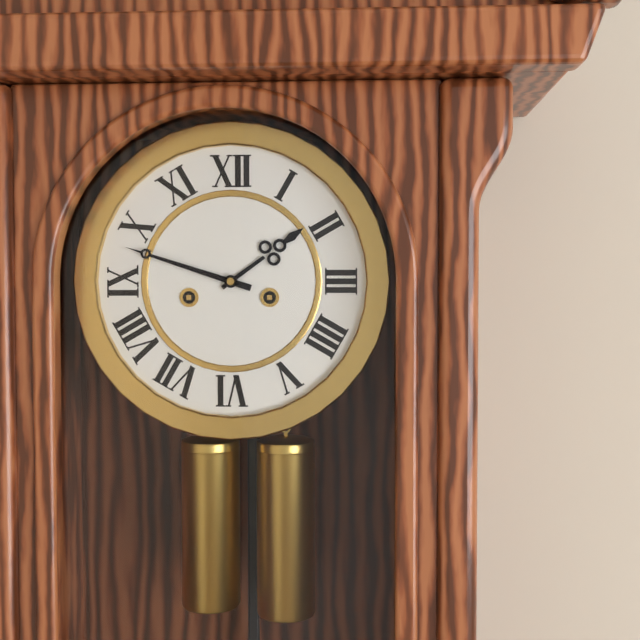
**1:48**
